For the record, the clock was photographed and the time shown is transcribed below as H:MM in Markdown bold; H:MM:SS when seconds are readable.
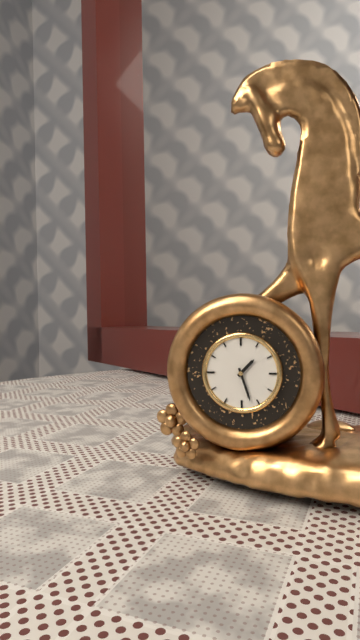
**1:27**
